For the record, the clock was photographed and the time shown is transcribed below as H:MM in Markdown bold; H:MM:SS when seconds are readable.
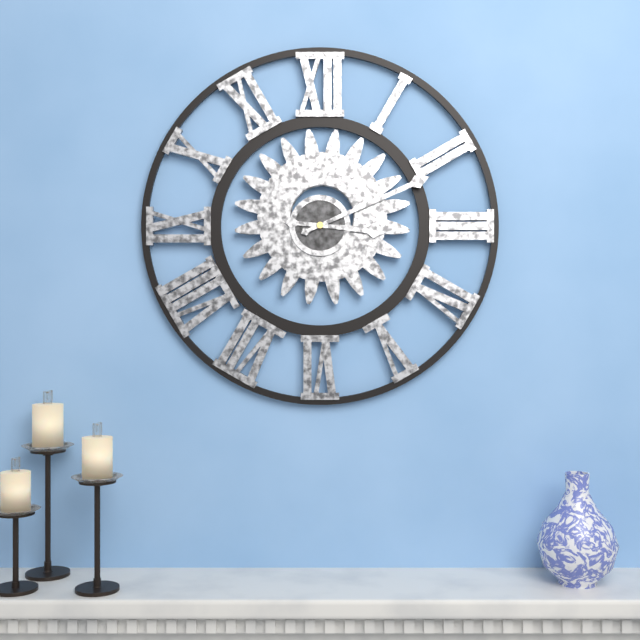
**3:11**
